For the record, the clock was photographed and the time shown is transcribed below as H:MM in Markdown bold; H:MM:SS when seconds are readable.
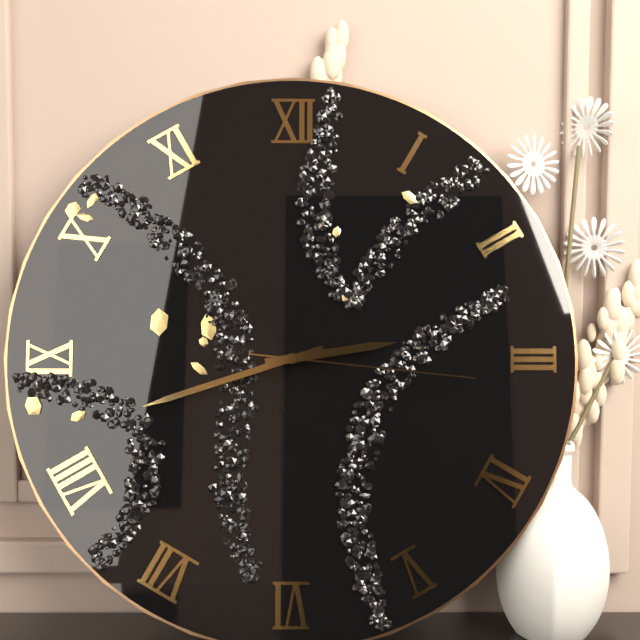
**2:42:16**
